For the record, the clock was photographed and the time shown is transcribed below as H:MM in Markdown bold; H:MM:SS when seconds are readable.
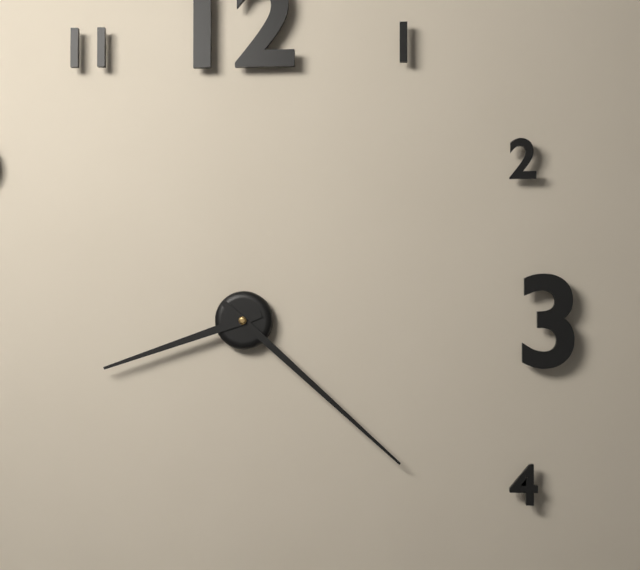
**8:22**
